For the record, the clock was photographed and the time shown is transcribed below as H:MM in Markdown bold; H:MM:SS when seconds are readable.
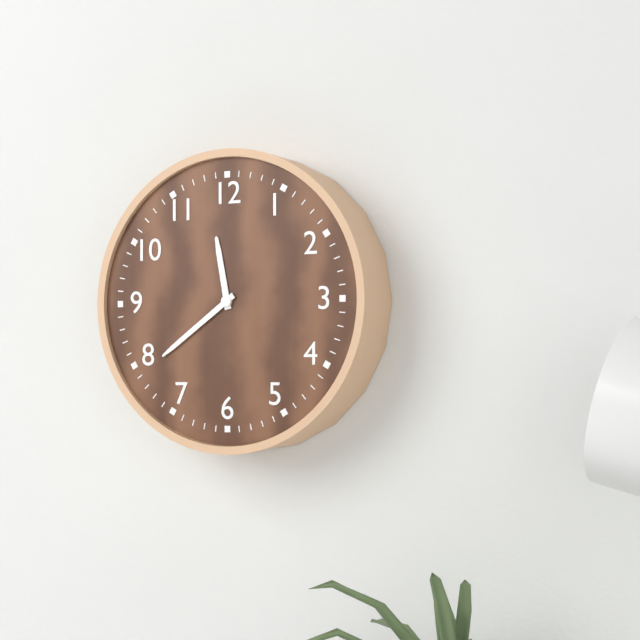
**11:39**
